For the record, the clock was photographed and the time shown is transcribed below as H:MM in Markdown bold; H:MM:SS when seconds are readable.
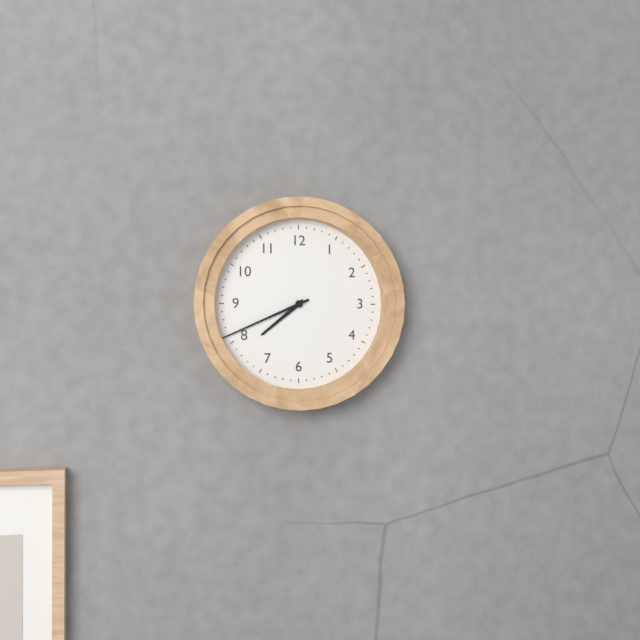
**7:41**
